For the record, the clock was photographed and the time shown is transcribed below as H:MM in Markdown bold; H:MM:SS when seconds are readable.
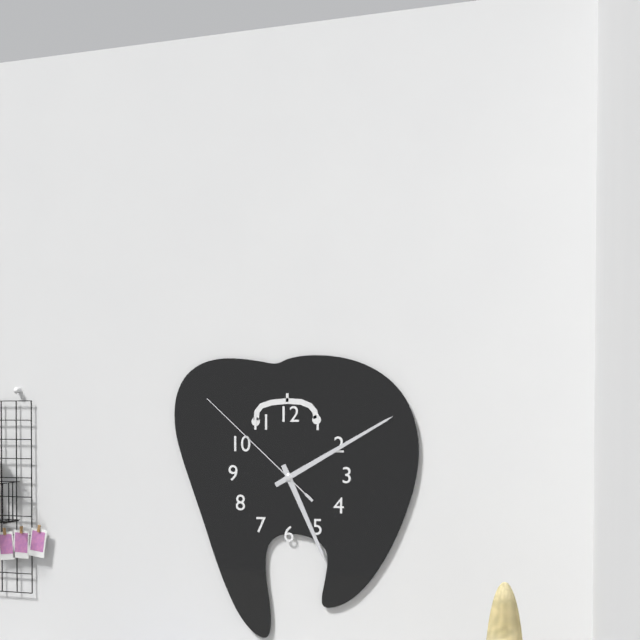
**5:10:52**
